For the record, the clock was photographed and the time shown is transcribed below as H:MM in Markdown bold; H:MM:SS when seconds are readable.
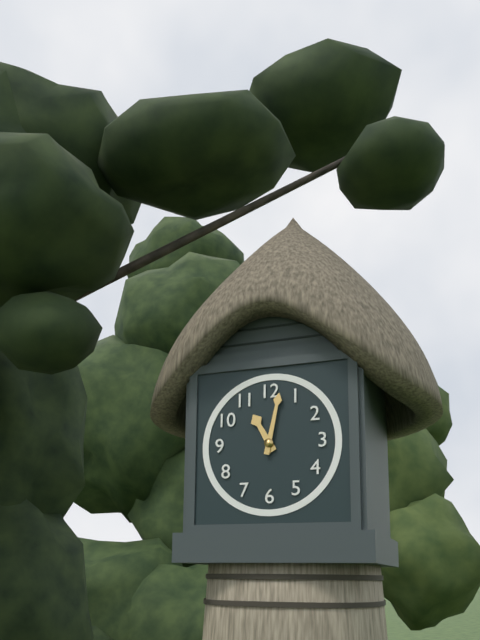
**11:02**
